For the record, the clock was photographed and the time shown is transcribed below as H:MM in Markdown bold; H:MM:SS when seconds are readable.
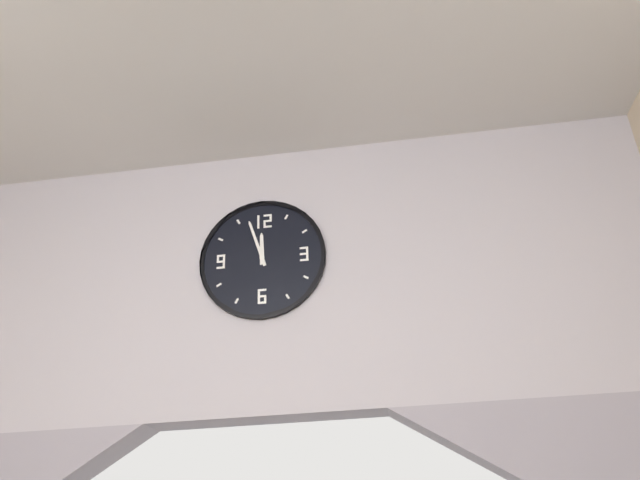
**11:57**
